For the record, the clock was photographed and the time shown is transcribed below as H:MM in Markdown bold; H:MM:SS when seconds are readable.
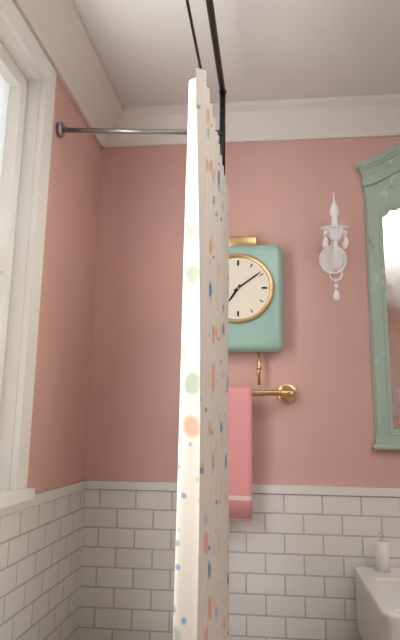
**7:09**
